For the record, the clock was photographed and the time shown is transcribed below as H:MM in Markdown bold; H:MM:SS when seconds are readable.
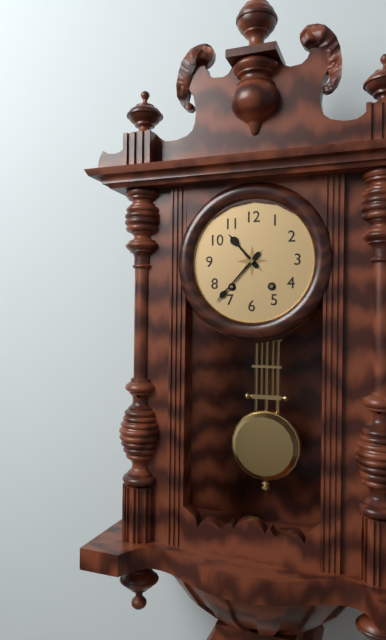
**10:37**
